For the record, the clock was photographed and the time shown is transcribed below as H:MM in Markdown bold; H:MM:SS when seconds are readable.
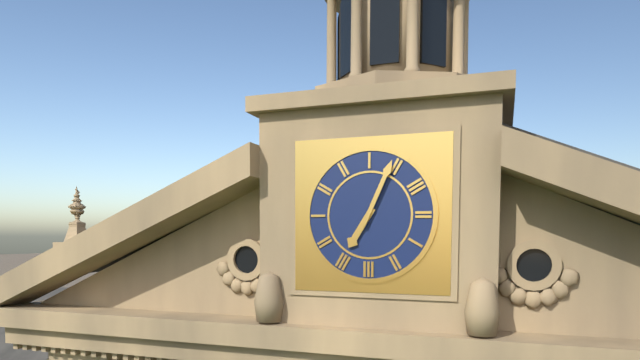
**7:04**
